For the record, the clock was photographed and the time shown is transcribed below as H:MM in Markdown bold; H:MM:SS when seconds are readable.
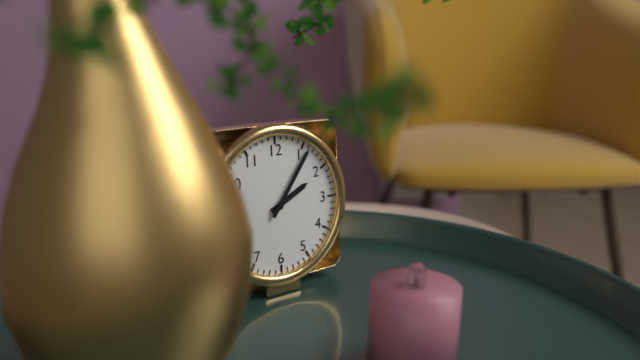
**2:06**
